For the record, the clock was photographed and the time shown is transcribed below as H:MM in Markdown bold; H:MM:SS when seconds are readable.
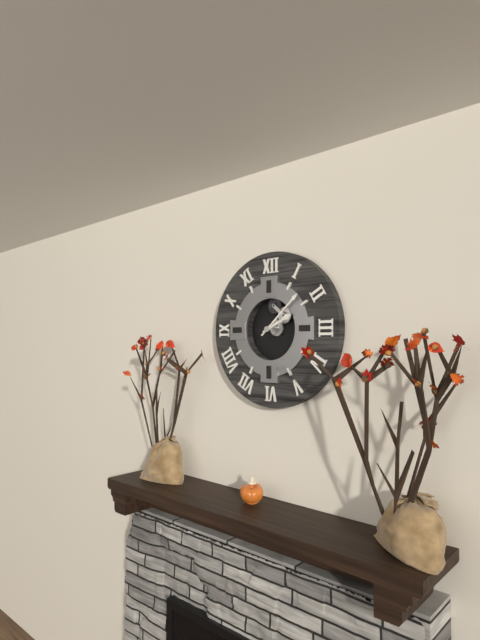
**2:08**
